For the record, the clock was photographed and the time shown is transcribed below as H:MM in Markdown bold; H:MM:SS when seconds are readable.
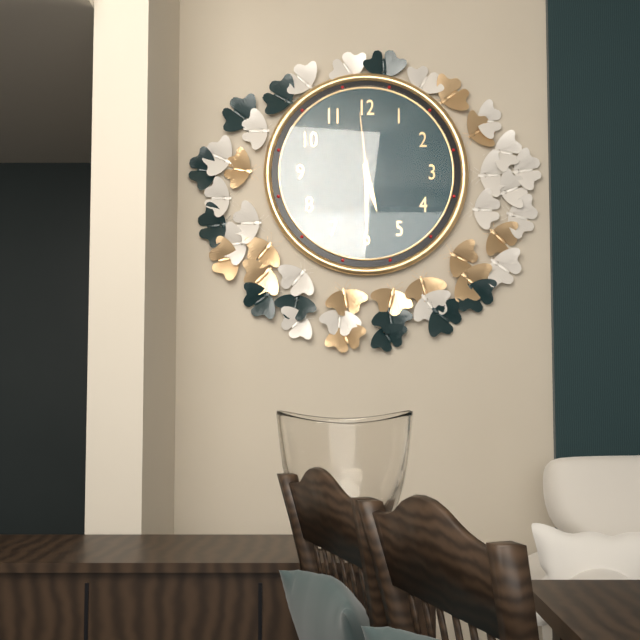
**5:30:59**
